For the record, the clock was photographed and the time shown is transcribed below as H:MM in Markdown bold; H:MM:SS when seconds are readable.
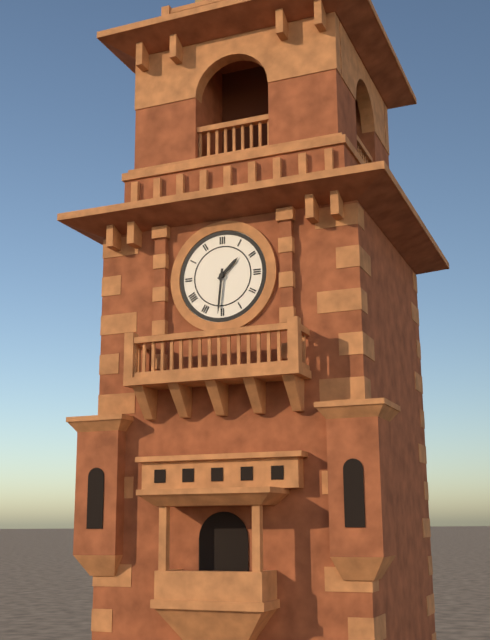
**1:31**
